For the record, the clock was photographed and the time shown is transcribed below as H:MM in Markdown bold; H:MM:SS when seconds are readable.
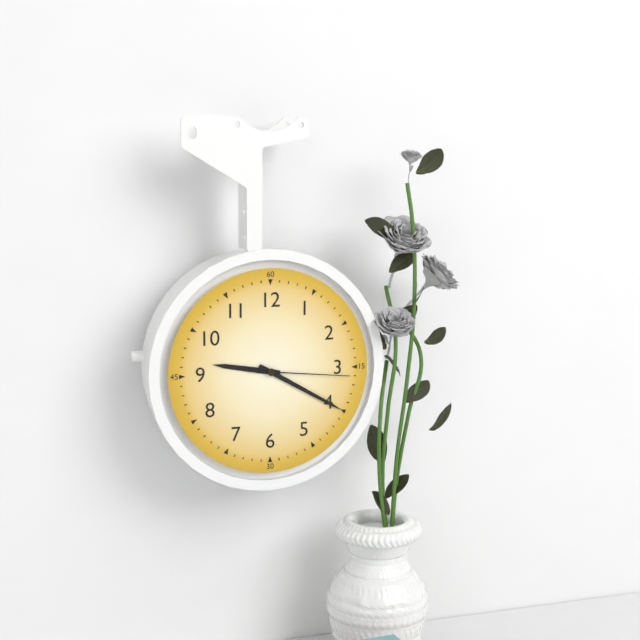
**9:20:16**
